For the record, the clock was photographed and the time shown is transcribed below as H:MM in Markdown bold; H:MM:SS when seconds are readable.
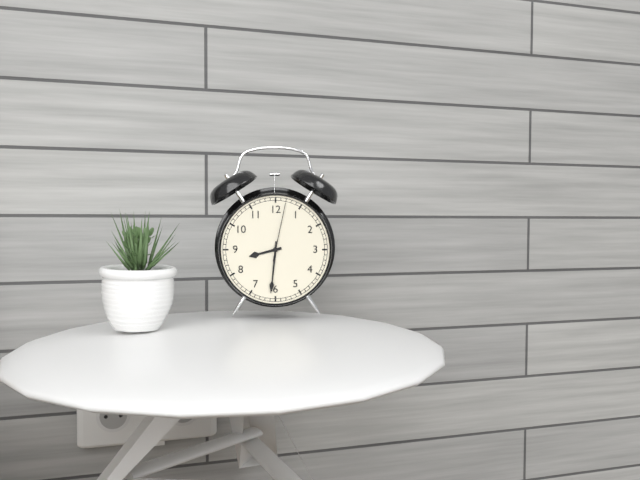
**8:31:02**
